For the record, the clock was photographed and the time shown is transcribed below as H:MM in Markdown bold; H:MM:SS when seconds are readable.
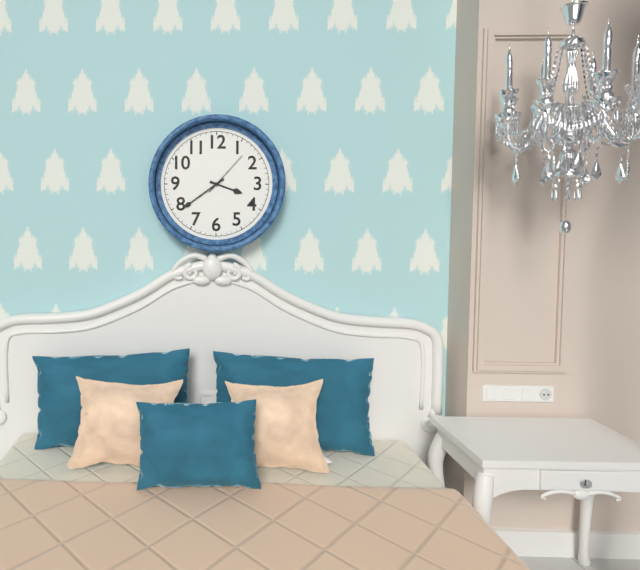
**3:39**
